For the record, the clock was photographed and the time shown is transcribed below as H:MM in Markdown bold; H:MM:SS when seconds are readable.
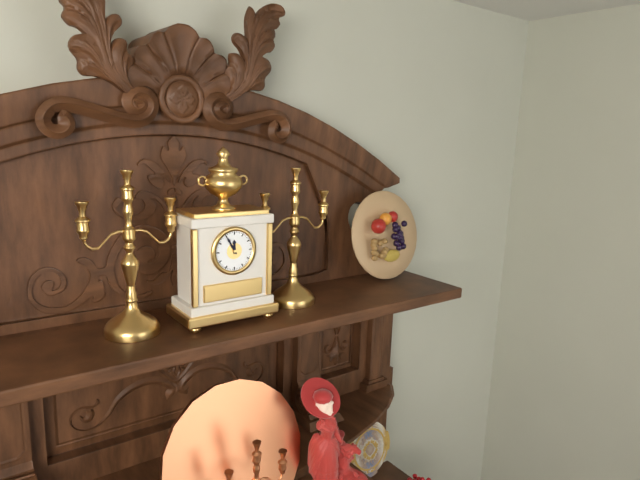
**11:55**
